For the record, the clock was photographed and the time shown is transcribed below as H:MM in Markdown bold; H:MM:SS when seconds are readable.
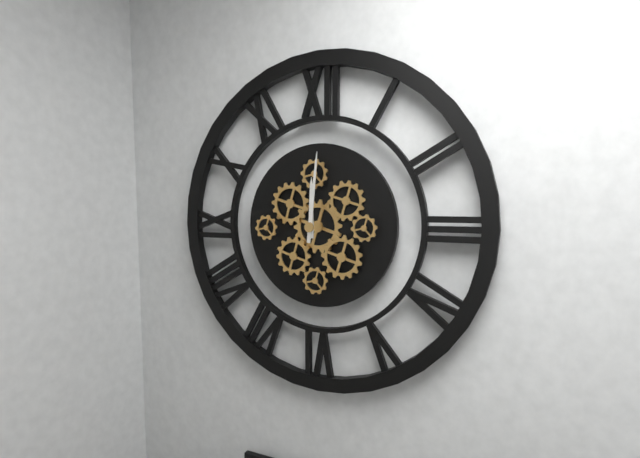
**12:01**
